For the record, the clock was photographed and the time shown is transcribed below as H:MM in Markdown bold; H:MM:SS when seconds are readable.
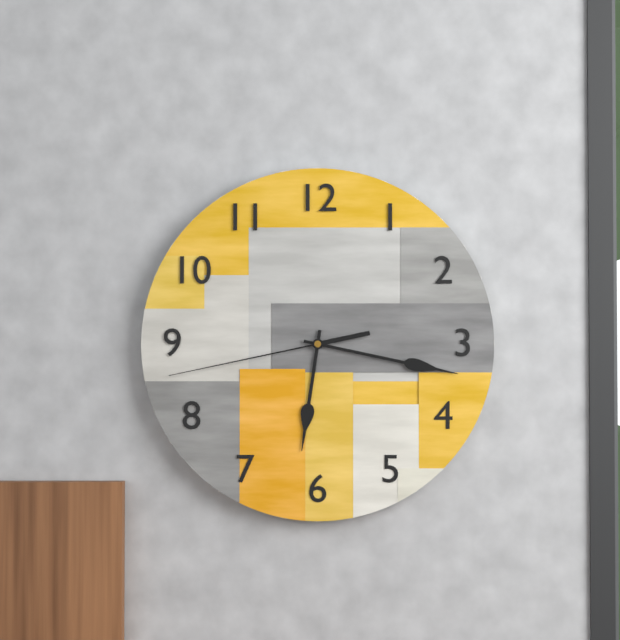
**6:17:43**
